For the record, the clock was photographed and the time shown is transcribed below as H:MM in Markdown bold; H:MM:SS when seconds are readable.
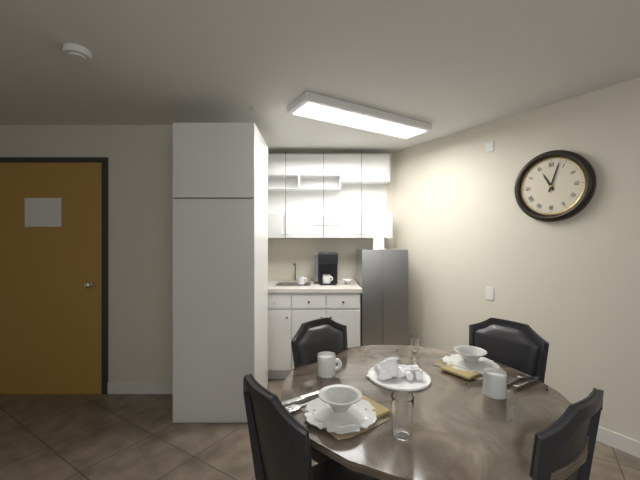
**11:03**
